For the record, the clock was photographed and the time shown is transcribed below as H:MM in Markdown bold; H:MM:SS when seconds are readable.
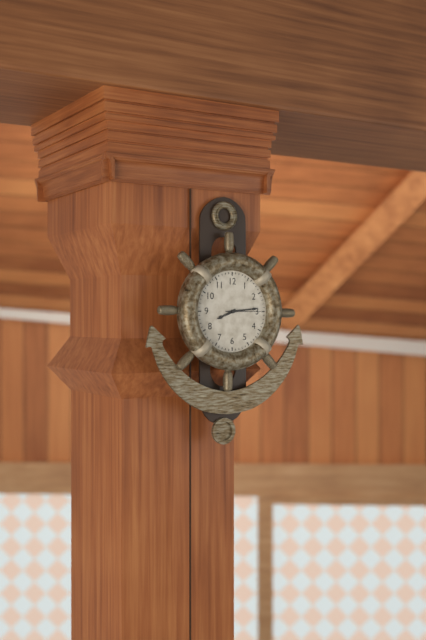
**8:14**
